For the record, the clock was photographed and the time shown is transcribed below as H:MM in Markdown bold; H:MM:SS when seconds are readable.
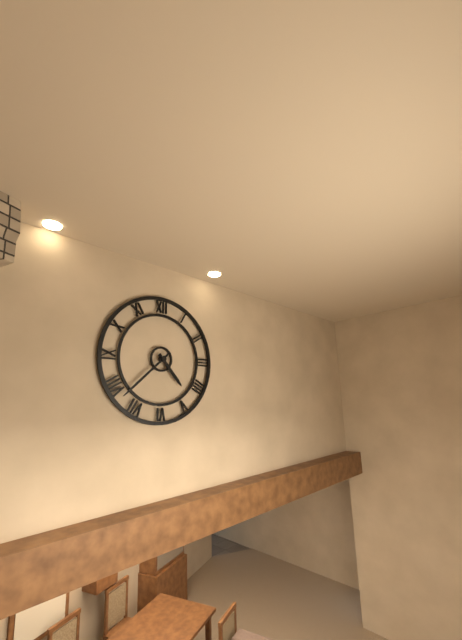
**4:38**
